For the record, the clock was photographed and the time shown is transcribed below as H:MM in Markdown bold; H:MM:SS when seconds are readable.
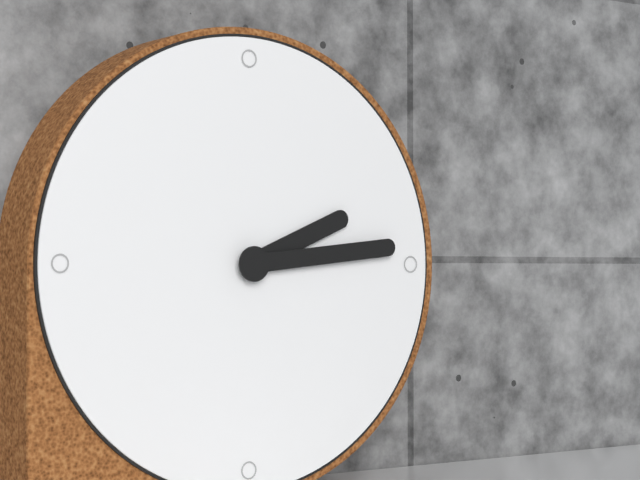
**2:14**
